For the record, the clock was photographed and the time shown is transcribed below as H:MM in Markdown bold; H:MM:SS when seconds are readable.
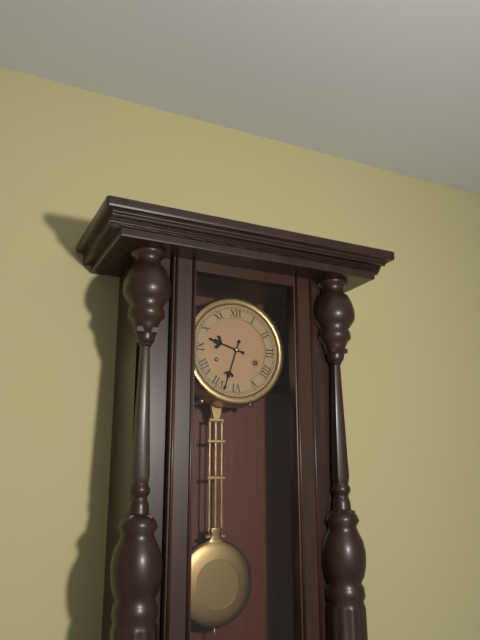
**9:33**
